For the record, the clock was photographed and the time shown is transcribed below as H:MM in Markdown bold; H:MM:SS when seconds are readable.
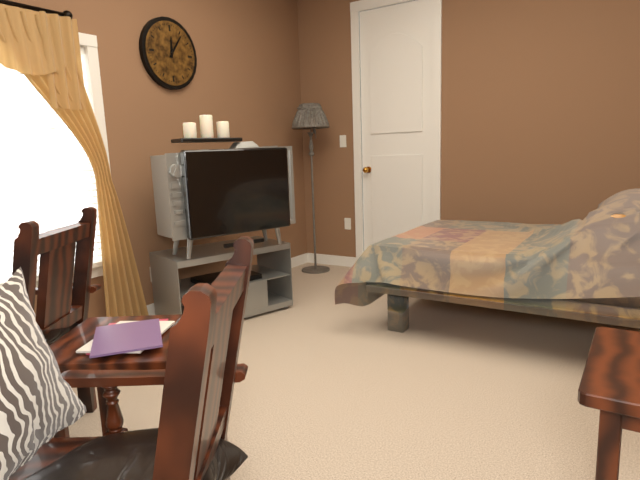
**12:06**
